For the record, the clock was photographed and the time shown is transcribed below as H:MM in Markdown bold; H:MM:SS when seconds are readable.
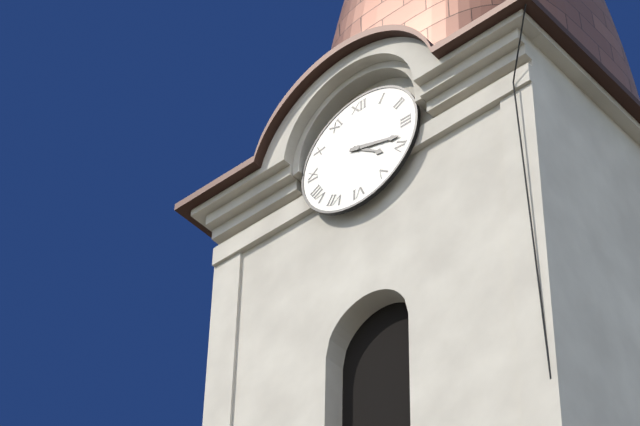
**4:18**
